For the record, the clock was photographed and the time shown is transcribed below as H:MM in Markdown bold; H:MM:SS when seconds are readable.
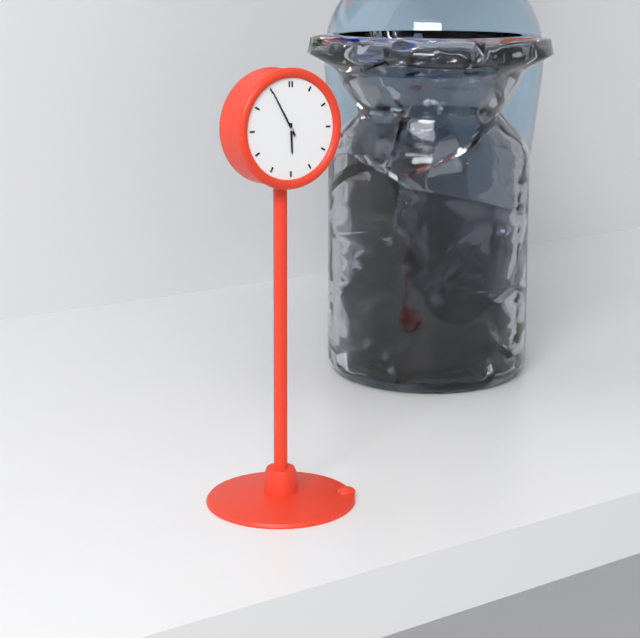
**5:55**
